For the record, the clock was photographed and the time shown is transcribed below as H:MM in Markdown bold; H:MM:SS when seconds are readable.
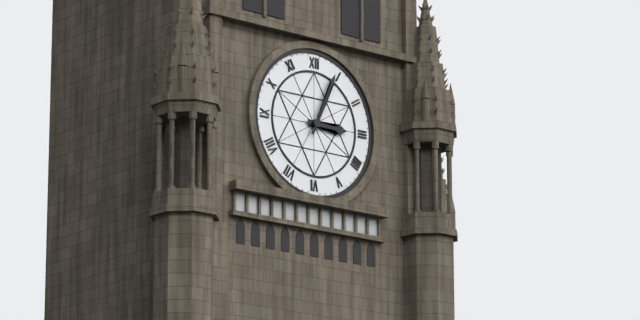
**3:04**
